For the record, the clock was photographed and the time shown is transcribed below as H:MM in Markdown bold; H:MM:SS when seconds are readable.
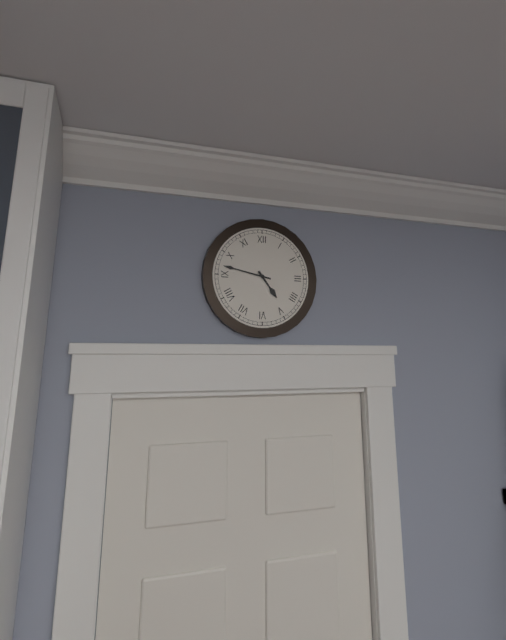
**4:47**
